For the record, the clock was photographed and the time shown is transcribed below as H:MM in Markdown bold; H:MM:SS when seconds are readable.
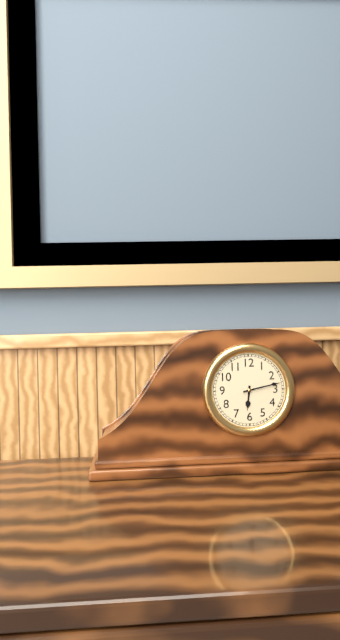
**6:13**
